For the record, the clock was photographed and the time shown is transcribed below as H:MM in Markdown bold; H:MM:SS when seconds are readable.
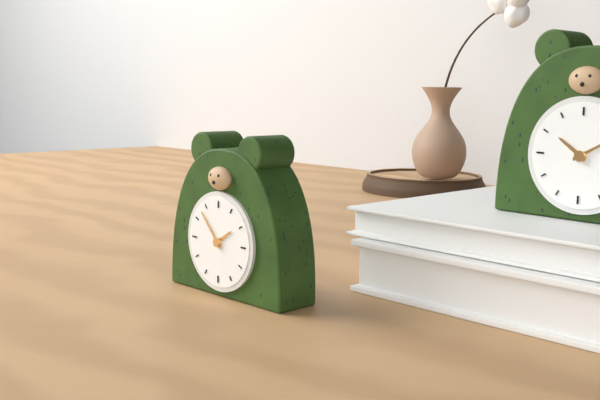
**1:53**
